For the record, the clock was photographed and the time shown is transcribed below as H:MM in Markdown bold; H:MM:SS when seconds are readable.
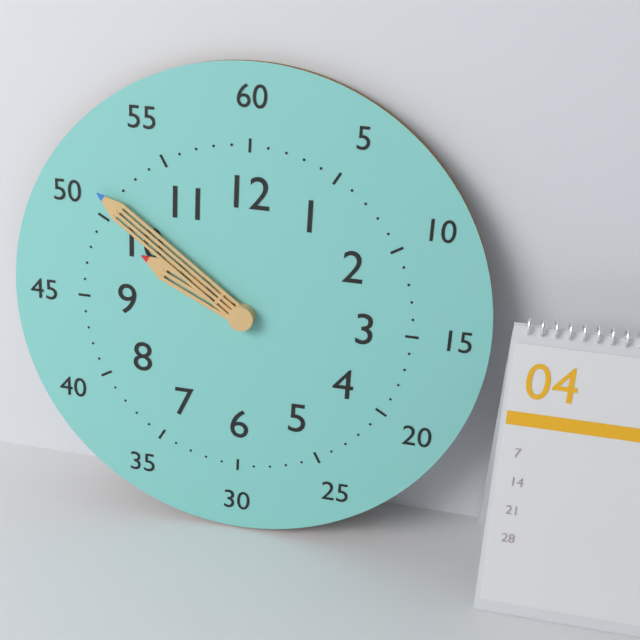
**9:51**
